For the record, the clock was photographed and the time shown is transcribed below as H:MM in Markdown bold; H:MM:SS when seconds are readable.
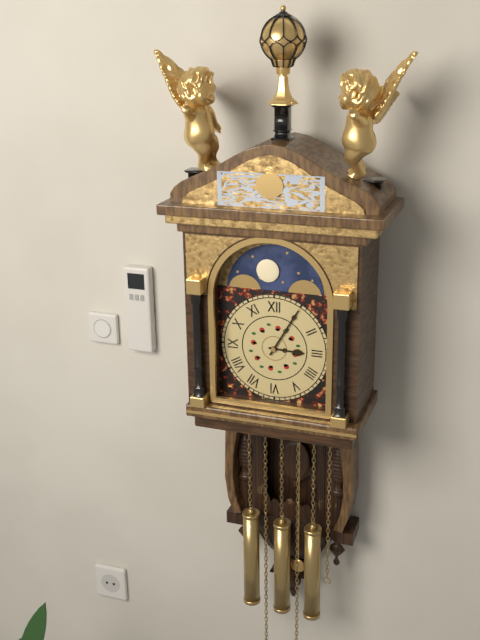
**3:05**
